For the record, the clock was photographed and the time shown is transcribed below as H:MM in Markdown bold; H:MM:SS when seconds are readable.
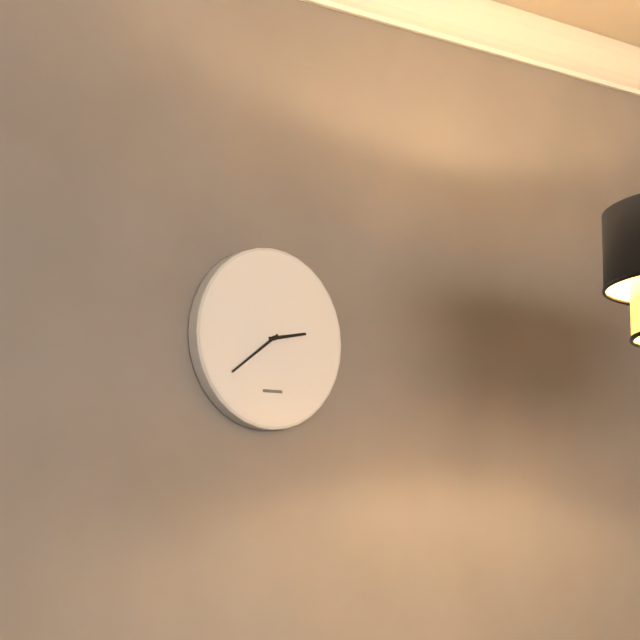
**2:39**
